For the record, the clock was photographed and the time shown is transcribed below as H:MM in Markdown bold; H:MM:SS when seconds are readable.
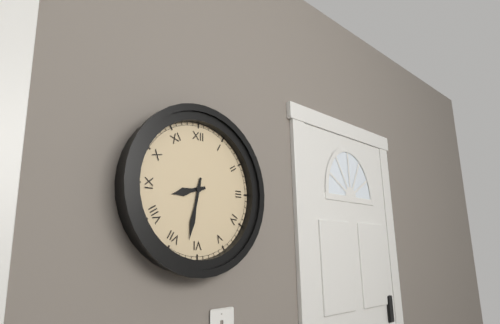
**8:32**
